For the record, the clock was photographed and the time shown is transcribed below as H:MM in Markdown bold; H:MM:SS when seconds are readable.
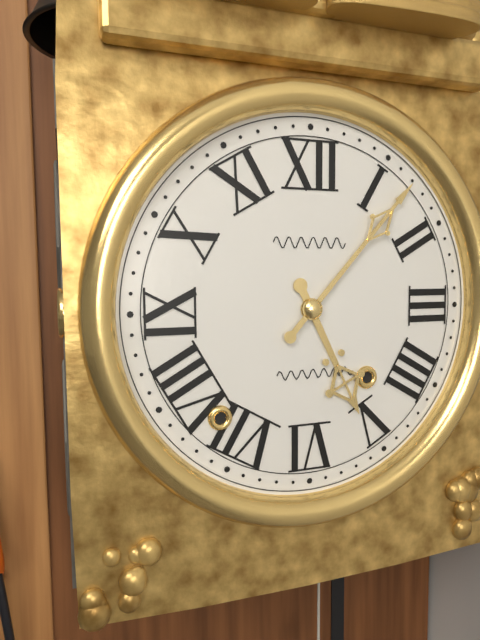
**5:07**
